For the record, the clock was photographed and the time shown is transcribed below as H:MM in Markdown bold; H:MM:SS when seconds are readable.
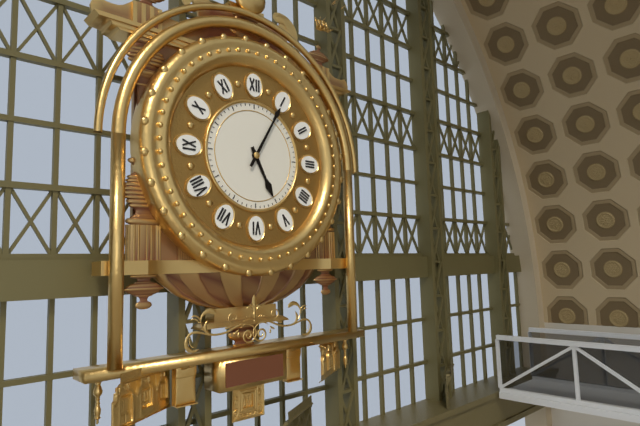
**5:05**
